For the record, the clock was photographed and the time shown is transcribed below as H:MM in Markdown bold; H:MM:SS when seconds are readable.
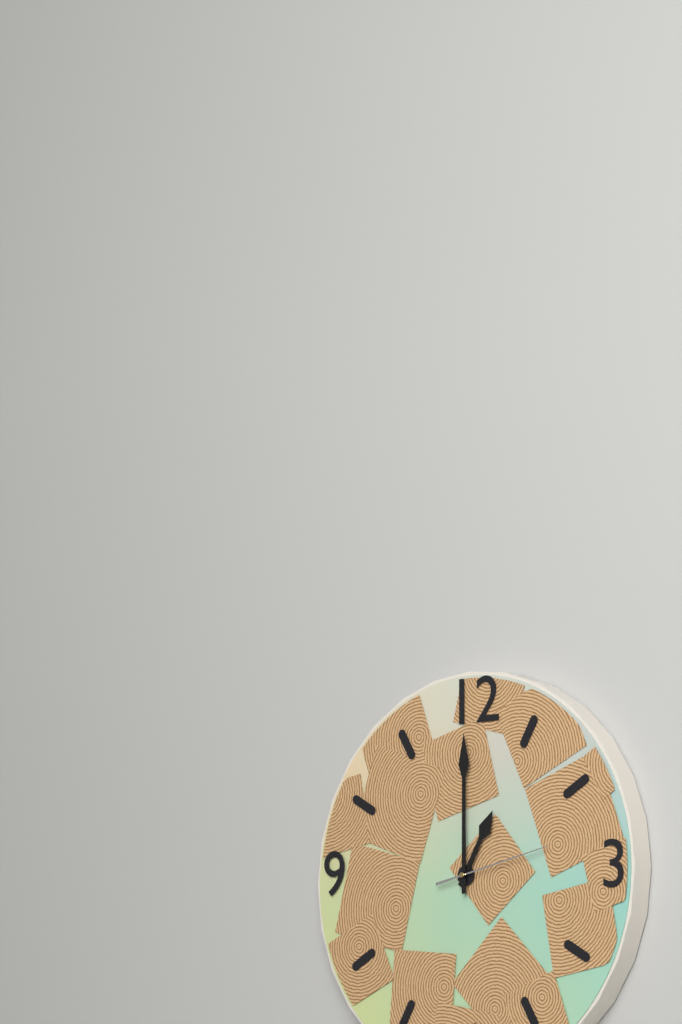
**1:00:13**
